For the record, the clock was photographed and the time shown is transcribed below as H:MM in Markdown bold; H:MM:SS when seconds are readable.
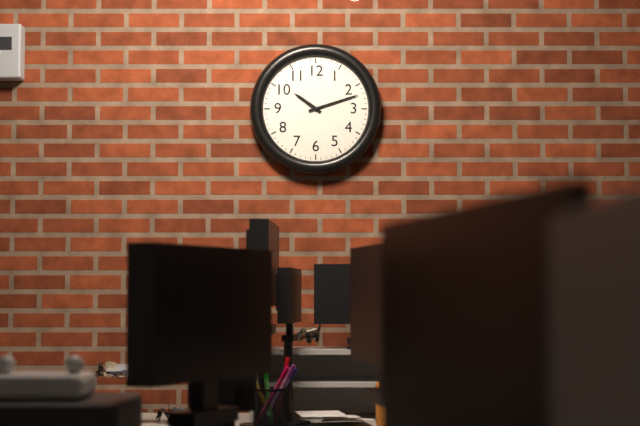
**10:12**
